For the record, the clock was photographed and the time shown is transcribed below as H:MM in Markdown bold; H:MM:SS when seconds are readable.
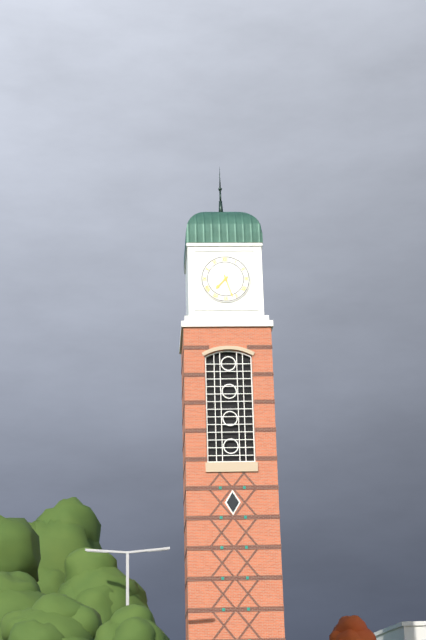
**7:27**
